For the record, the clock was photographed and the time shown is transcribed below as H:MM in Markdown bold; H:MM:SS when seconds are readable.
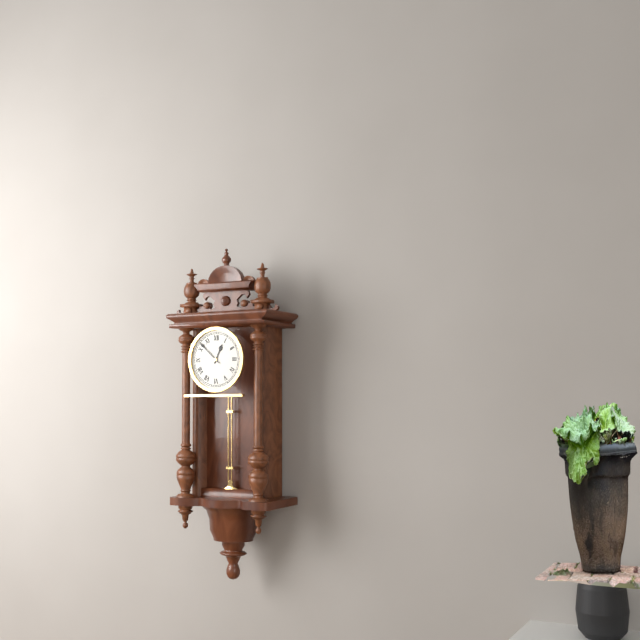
**12:52**
